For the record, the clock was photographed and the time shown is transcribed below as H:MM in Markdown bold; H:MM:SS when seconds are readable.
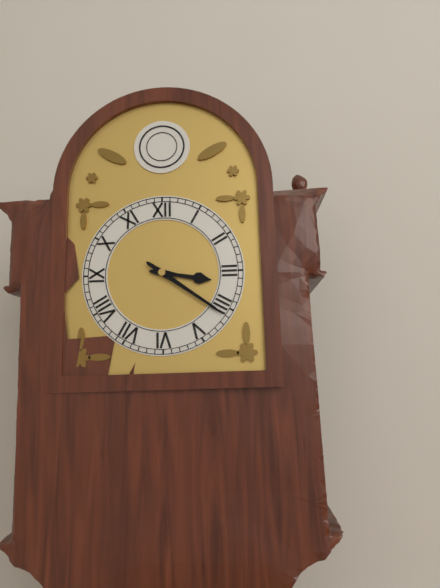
**3:21**
